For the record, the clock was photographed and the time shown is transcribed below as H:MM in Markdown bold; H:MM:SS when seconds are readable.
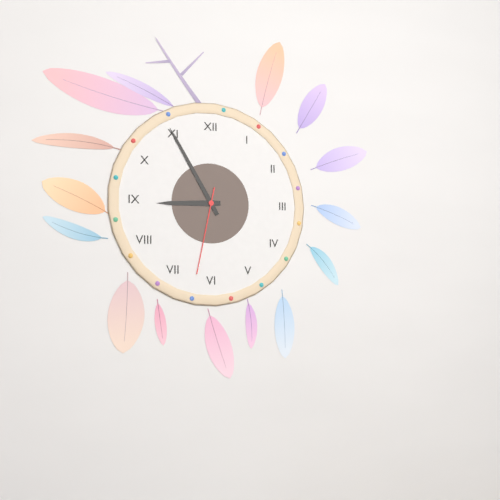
**8:55:32**
